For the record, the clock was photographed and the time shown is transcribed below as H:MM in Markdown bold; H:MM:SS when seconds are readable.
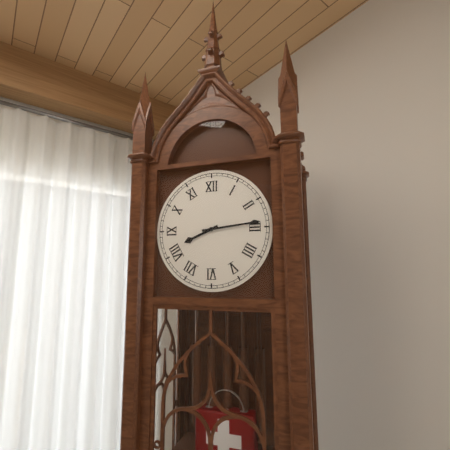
**8:14**
